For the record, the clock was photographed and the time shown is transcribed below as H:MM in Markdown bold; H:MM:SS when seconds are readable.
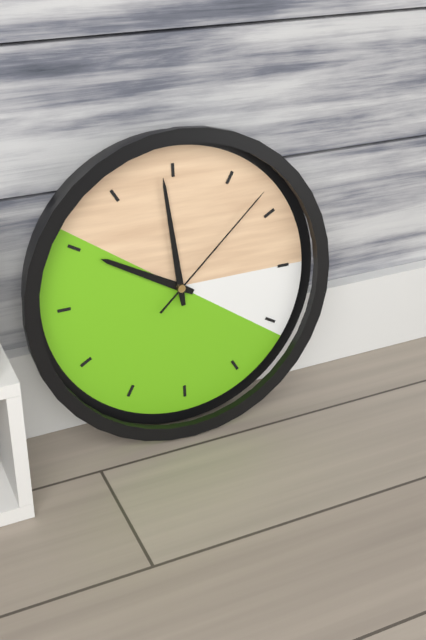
**9:59:08**
